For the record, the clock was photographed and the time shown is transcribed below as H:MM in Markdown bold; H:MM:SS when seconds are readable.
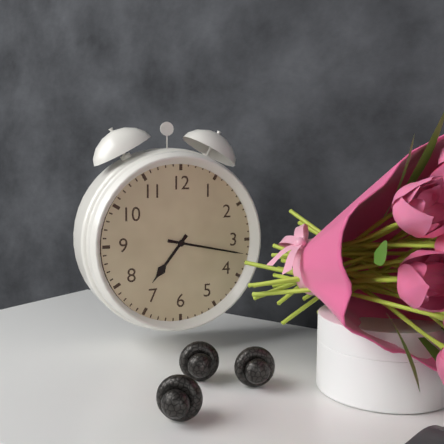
**7:17**
